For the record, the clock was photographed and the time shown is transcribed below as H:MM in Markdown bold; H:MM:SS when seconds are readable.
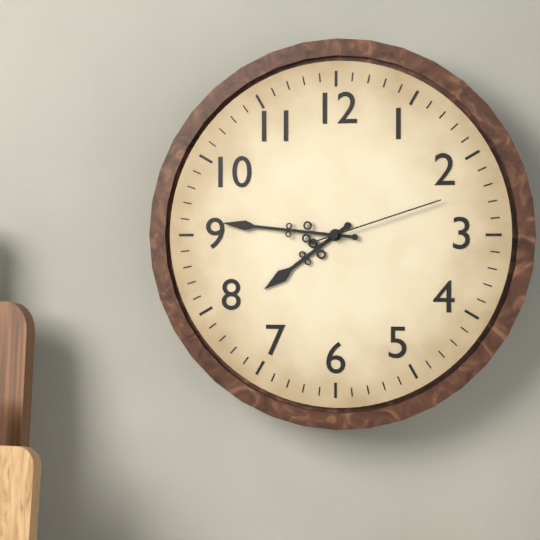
**7:46:12**
